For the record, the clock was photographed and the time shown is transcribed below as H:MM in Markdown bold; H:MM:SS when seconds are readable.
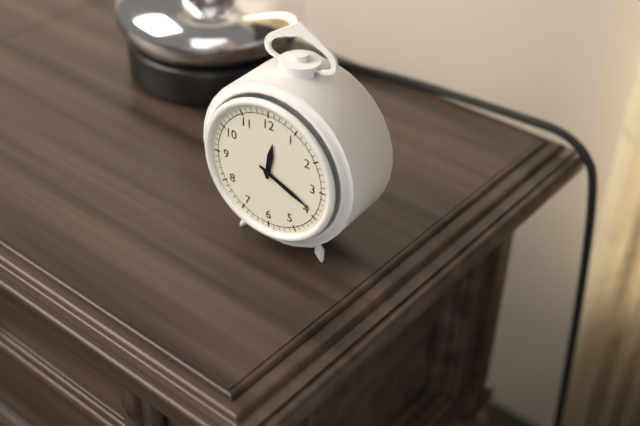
**12:19**
